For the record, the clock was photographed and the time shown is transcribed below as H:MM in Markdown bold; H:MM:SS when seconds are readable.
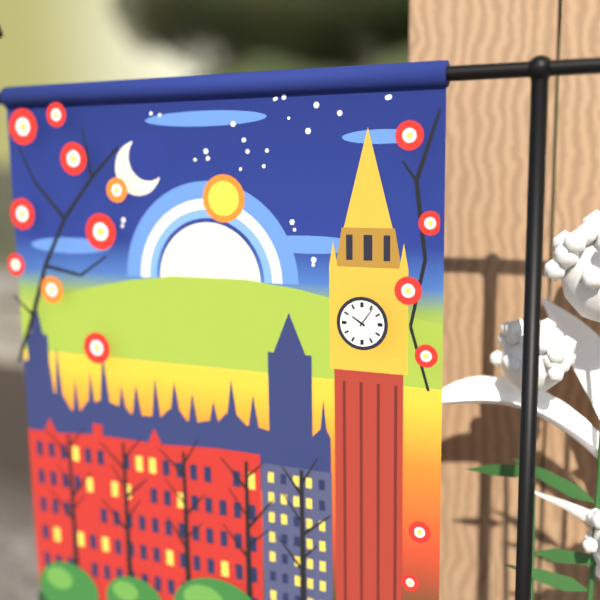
**10:06**
